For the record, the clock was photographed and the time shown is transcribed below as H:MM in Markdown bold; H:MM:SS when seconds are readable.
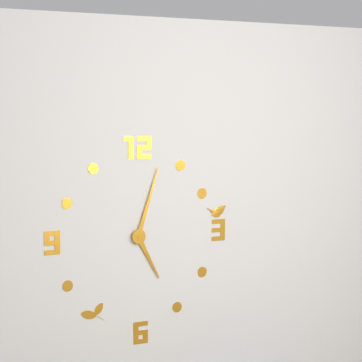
**5:03**
